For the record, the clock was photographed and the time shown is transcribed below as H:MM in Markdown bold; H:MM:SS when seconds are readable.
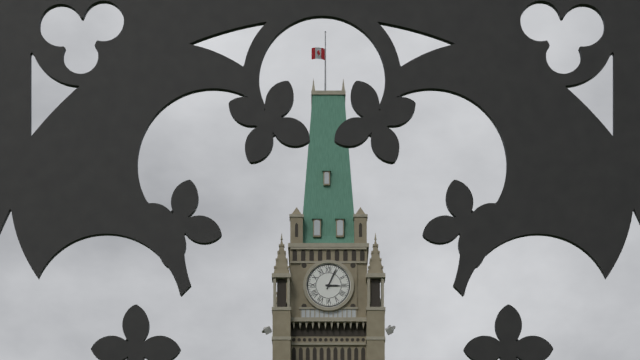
**3:04**
